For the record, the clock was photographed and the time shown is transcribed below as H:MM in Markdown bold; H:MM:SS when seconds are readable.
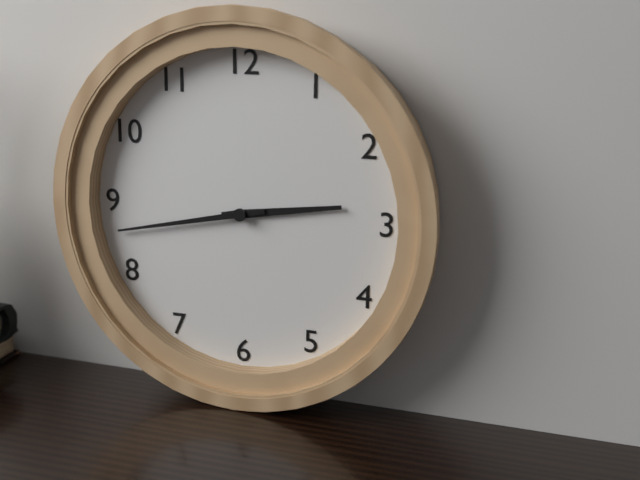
**2:43**
